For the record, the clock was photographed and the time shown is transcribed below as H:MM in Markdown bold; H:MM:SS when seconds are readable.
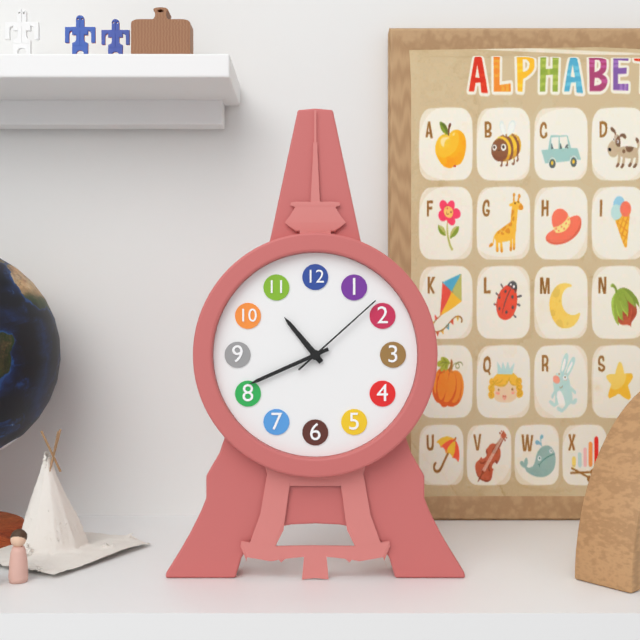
**10:41:08**
